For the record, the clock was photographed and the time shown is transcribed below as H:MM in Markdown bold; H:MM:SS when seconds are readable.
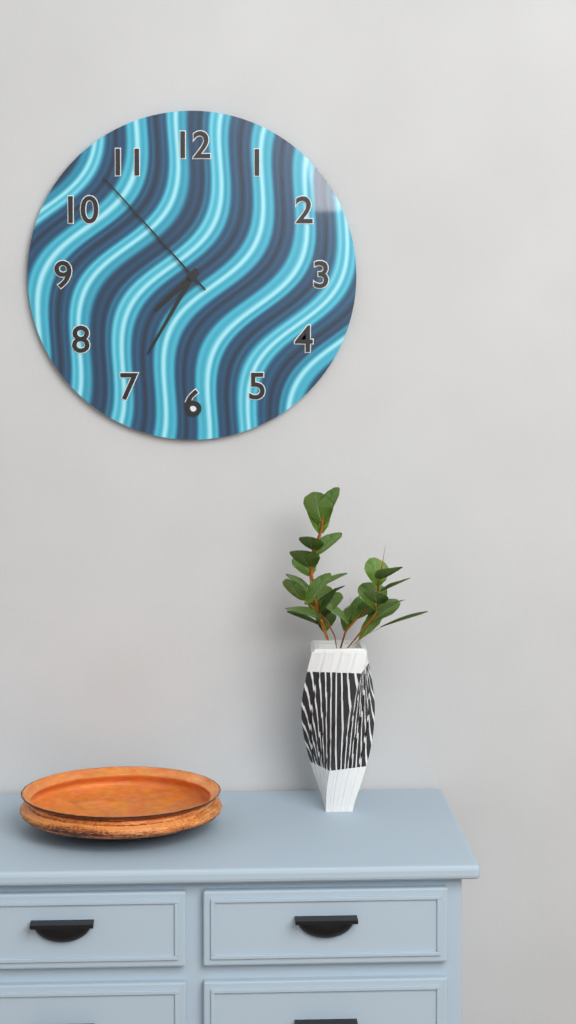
**7:35:53**
